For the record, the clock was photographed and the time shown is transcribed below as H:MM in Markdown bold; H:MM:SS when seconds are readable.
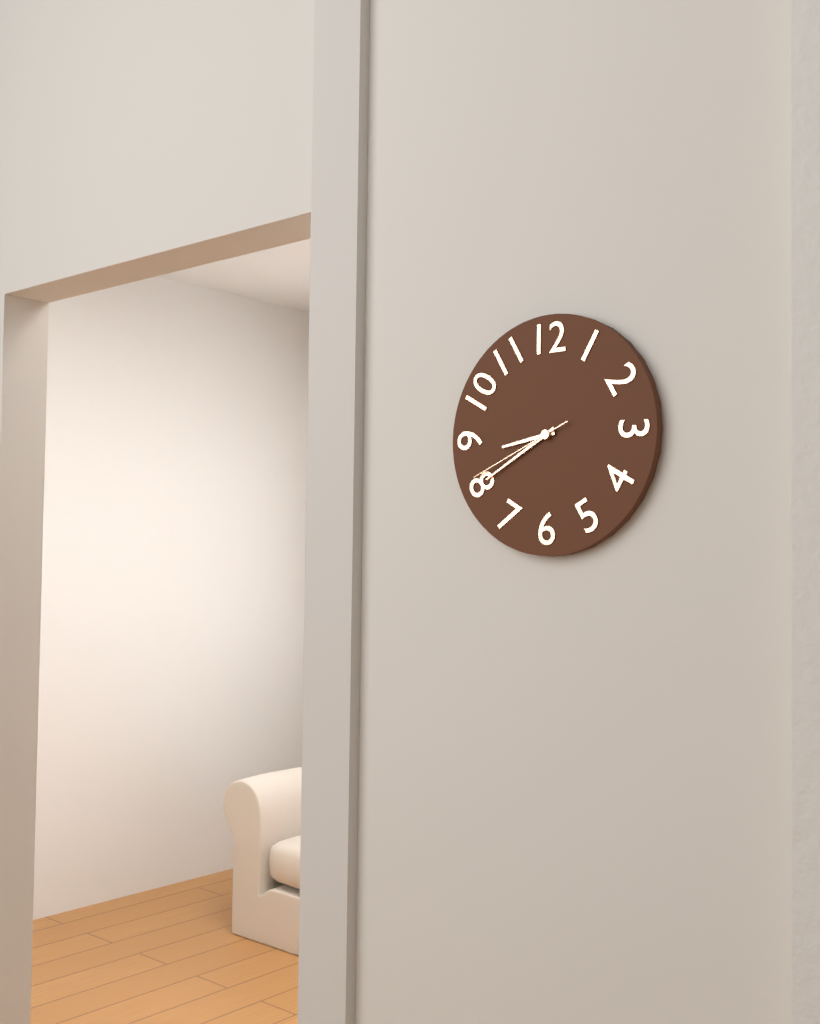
**8:40:41**
